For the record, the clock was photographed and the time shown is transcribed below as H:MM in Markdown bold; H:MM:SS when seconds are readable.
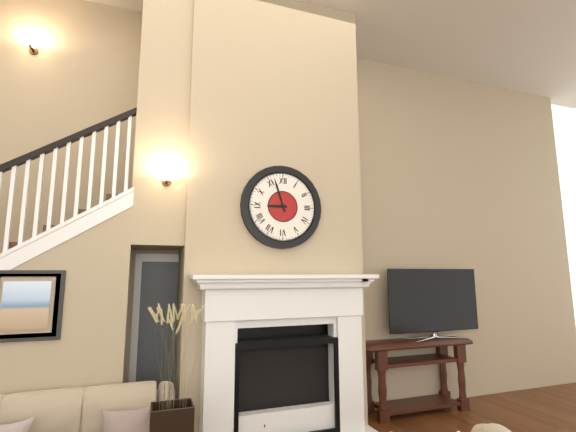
**8:57**
